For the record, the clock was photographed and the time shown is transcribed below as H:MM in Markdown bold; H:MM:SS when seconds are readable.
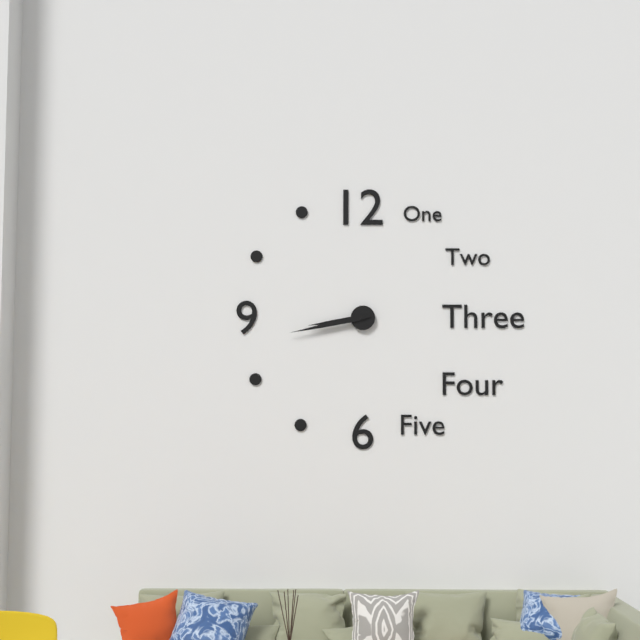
**8:43**
